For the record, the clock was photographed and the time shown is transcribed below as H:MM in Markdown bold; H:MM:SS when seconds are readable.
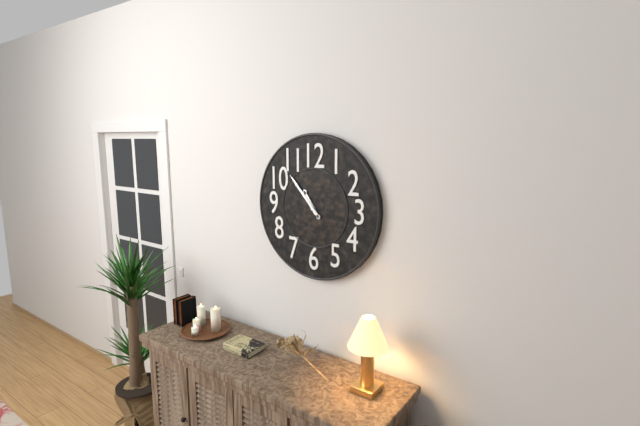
**10:53**
